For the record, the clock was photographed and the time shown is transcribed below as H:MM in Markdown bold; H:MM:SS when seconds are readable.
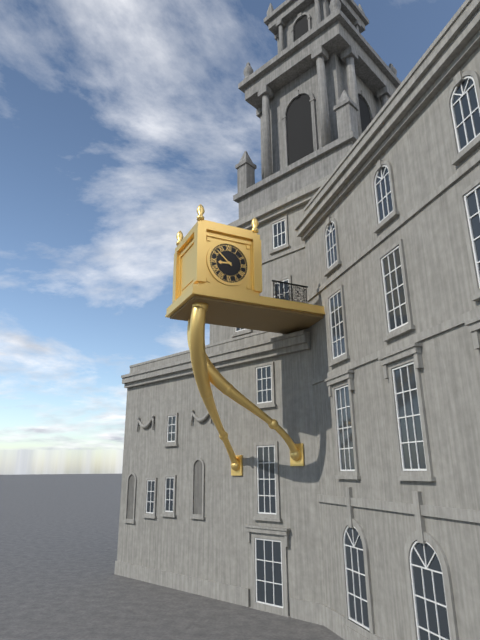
**8:52**
